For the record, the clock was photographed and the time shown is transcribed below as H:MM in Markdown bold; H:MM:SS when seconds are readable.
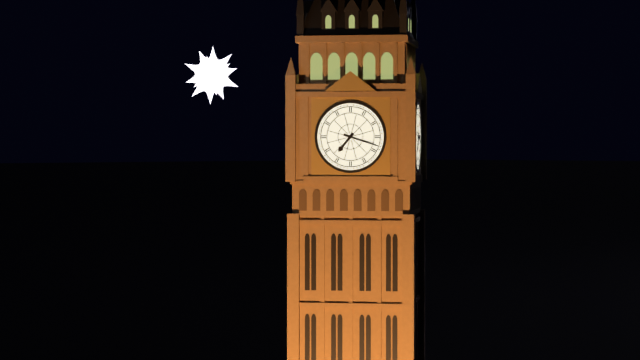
**7:18**
